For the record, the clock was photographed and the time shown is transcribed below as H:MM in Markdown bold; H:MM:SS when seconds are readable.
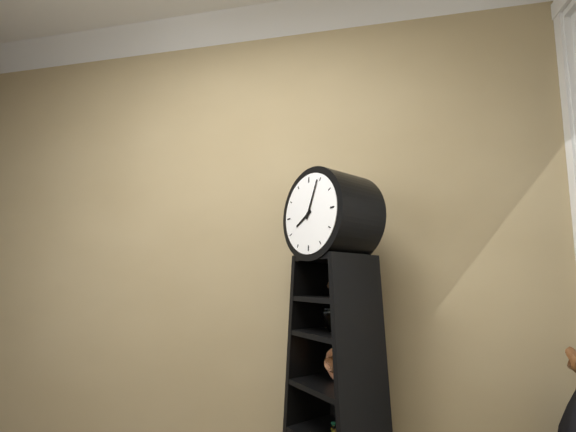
**8:04**
